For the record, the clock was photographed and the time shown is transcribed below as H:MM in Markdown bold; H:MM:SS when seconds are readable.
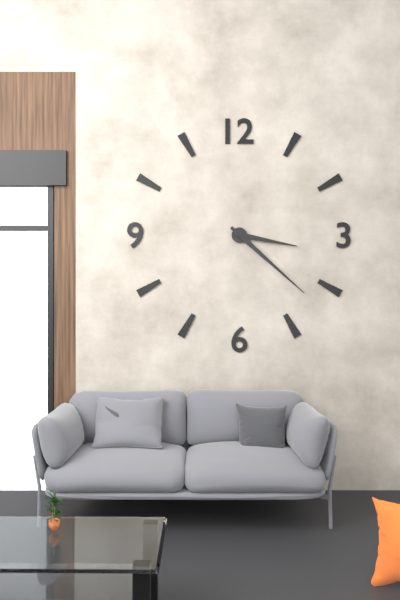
**3:22**
